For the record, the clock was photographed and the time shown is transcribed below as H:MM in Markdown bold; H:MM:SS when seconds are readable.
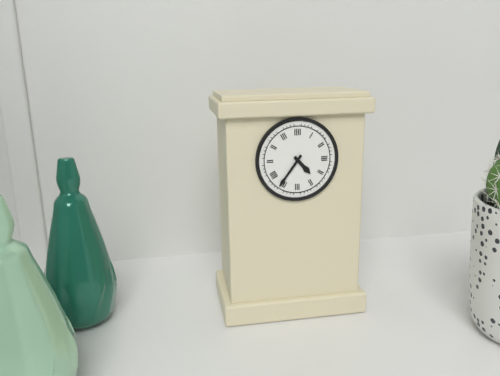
**4:36**
